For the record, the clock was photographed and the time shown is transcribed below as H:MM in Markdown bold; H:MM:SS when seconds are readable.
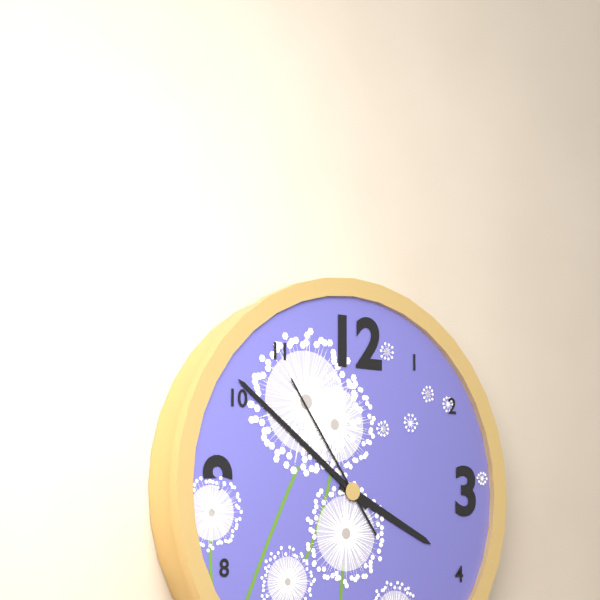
**3:51:54**
